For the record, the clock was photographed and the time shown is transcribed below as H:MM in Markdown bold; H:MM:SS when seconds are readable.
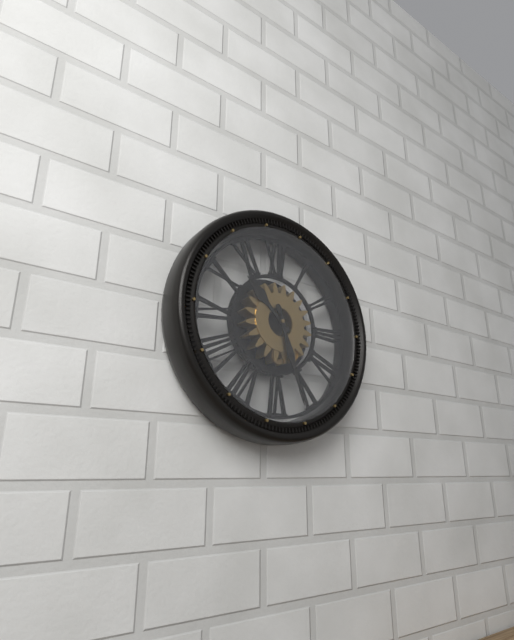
**10:27**
